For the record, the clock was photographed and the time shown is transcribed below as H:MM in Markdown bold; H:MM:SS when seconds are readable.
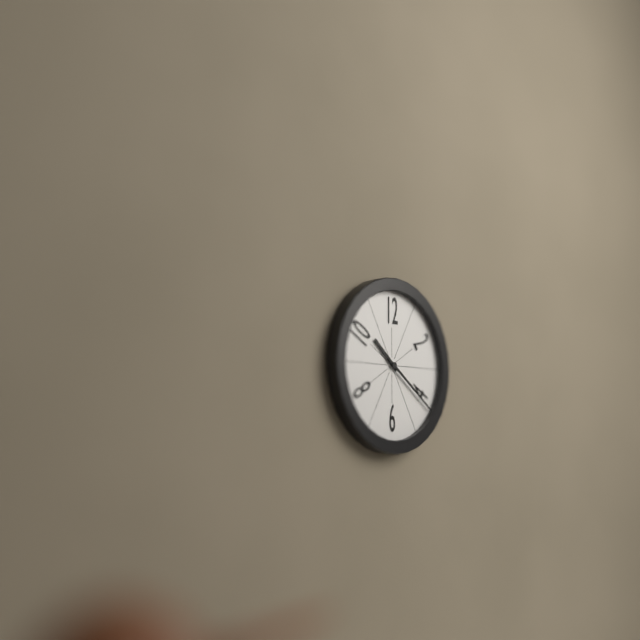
**10:21**
